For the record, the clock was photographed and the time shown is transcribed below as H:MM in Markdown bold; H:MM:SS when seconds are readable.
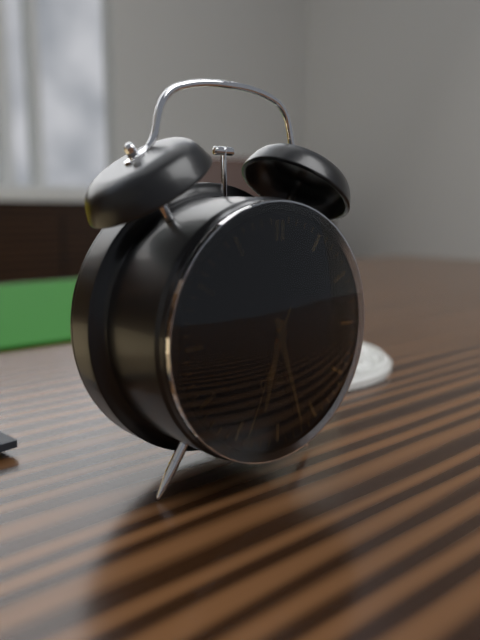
**6:27:34**
